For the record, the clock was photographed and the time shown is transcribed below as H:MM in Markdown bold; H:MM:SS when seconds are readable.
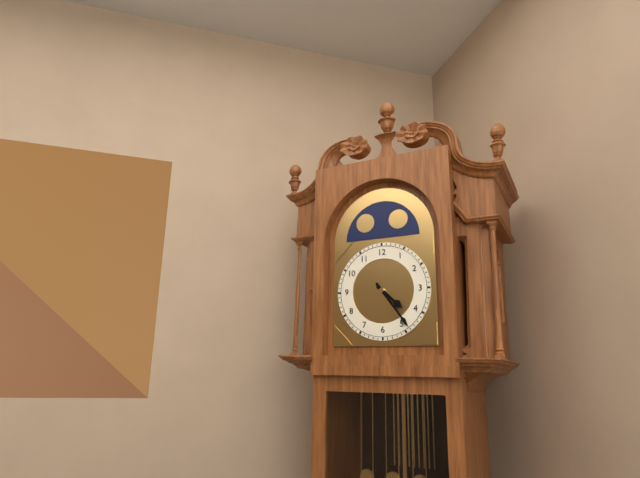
**4:24**
